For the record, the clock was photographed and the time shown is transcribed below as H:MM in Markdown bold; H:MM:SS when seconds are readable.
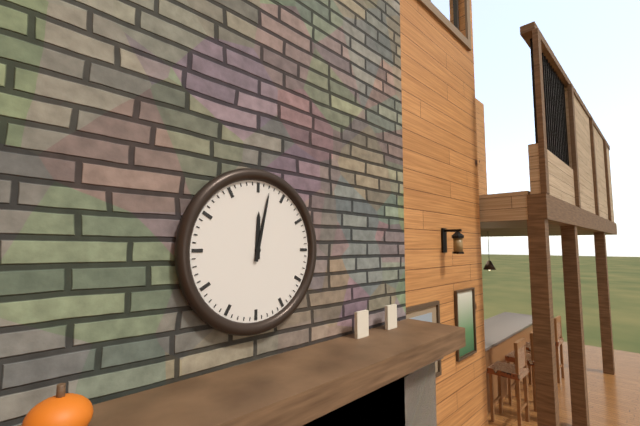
**12:02**
